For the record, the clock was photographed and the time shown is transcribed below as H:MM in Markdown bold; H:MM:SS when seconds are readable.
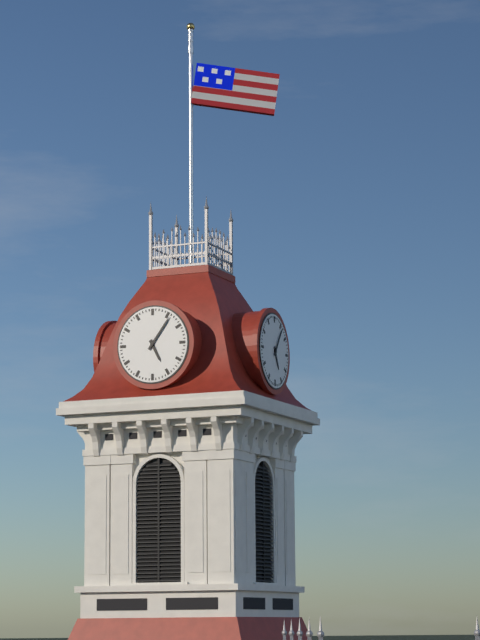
**5:06**
